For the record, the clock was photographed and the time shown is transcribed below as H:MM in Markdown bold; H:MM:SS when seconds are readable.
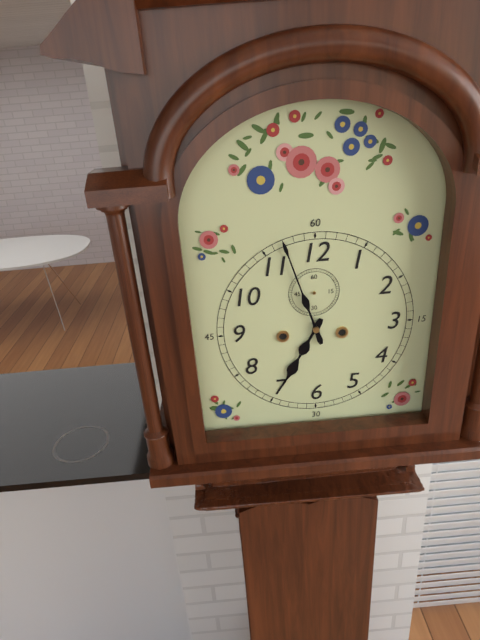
**6:57**
